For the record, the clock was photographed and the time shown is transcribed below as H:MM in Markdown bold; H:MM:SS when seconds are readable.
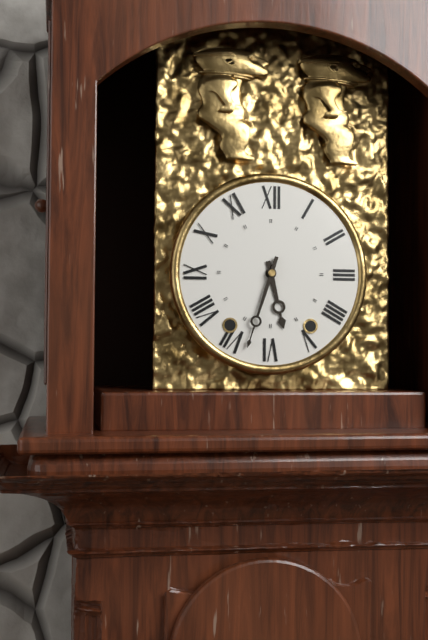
**5:33**
